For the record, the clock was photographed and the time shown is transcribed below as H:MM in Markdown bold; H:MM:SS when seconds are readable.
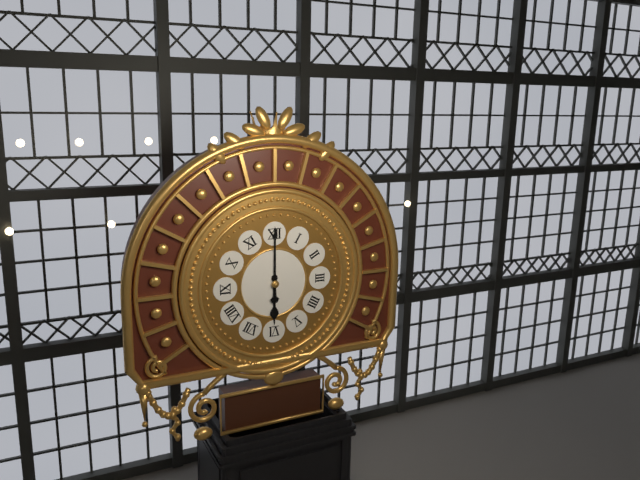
**6:00**
